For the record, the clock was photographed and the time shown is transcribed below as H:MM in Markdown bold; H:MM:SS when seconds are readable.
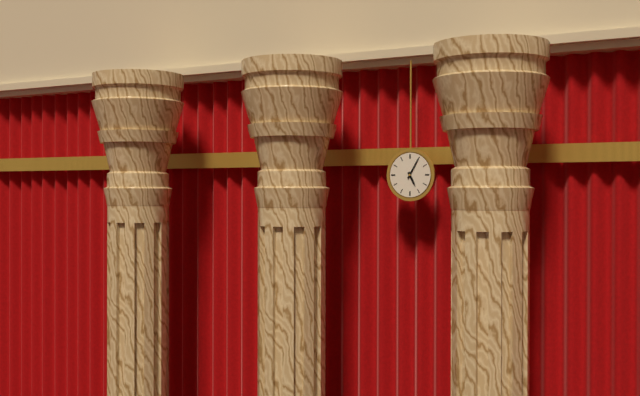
**5:05**
